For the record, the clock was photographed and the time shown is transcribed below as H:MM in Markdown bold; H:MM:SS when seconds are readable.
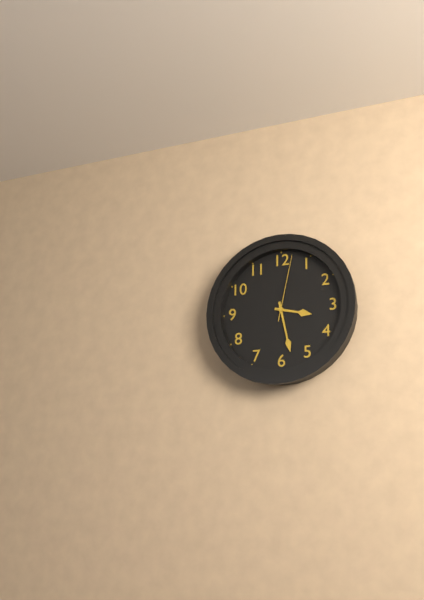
**3:28:02**
